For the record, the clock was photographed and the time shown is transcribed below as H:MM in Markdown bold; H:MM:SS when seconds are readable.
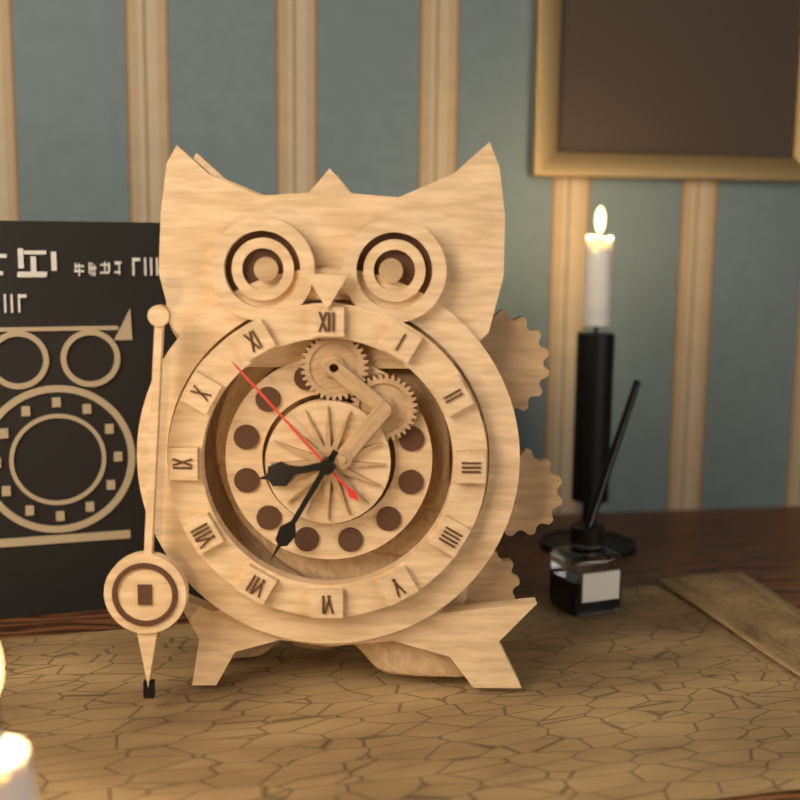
**8:35:53**
